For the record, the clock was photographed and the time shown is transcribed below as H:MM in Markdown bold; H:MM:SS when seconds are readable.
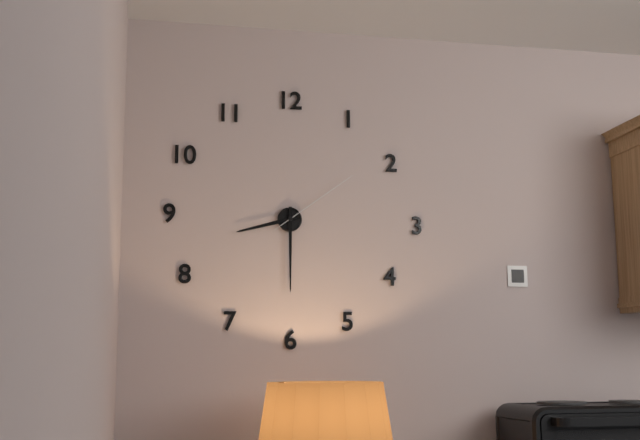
**8:30:09**
